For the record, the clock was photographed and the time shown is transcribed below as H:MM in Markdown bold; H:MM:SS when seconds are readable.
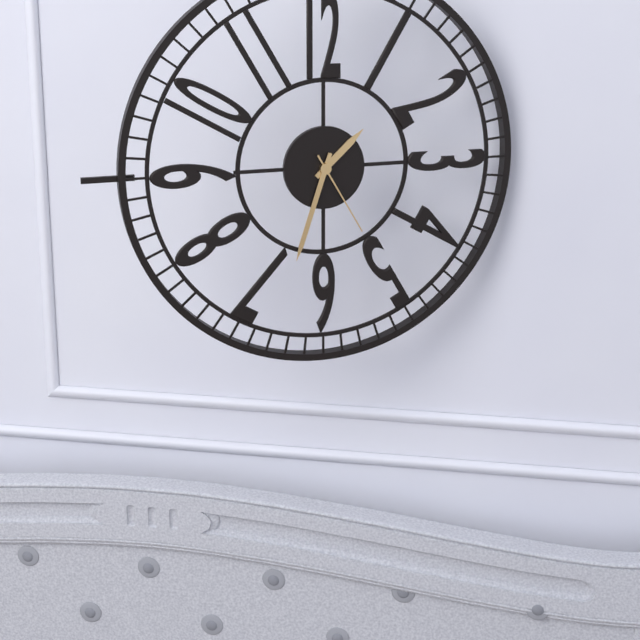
**1:33:25**
